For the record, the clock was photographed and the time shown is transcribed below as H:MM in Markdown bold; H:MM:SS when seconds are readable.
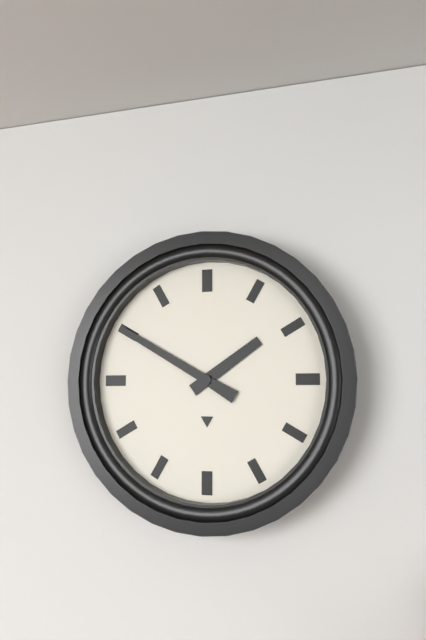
**1:50**
